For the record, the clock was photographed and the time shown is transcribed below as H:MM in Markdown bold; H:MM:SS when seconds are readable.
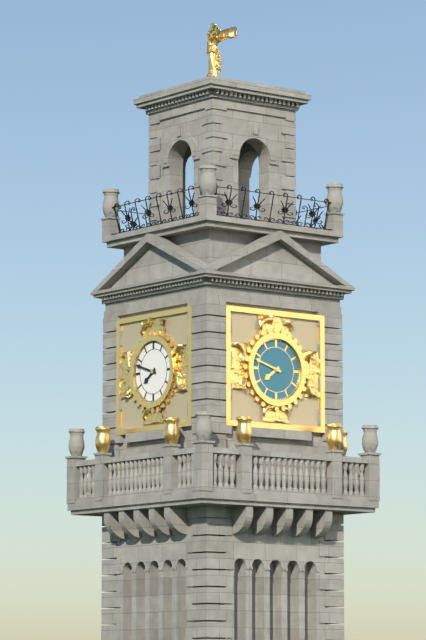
**7:48**
